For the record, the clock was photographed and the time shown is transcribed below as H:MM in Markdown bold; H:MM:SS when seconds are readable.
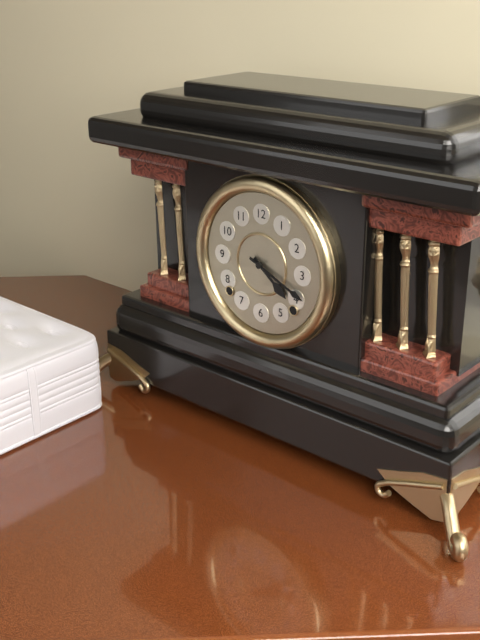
**4:19**
